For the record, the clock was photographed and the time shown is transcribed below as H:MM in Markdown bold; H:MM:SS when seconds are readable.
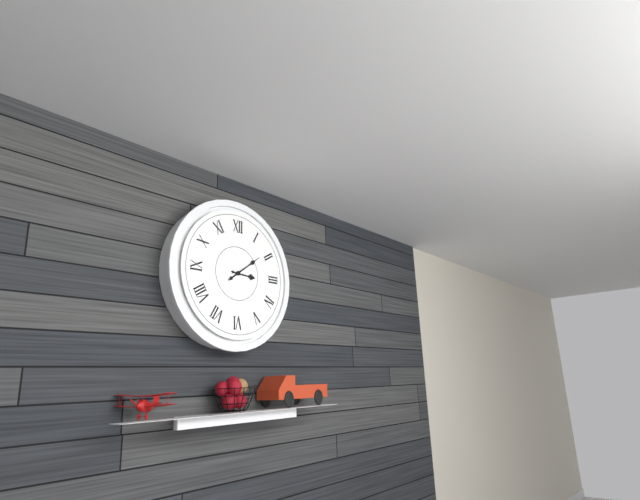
**3:09**
